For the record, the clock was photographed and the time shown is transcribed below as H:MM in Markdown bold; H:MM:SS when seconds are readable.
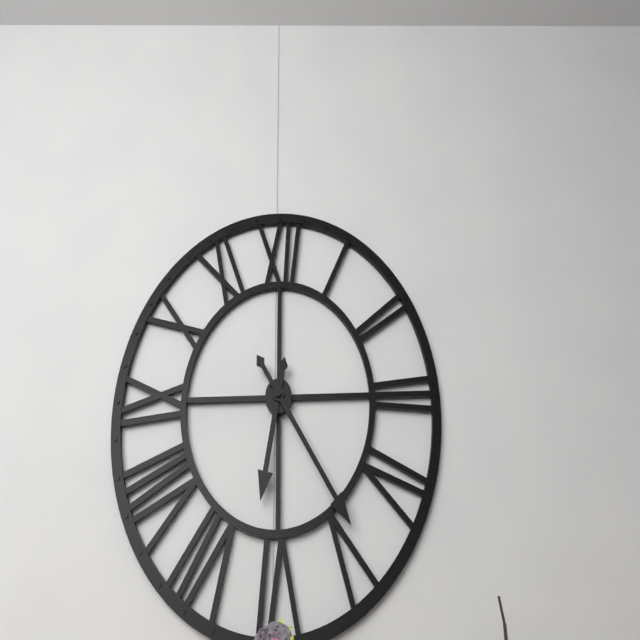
**6:24**
